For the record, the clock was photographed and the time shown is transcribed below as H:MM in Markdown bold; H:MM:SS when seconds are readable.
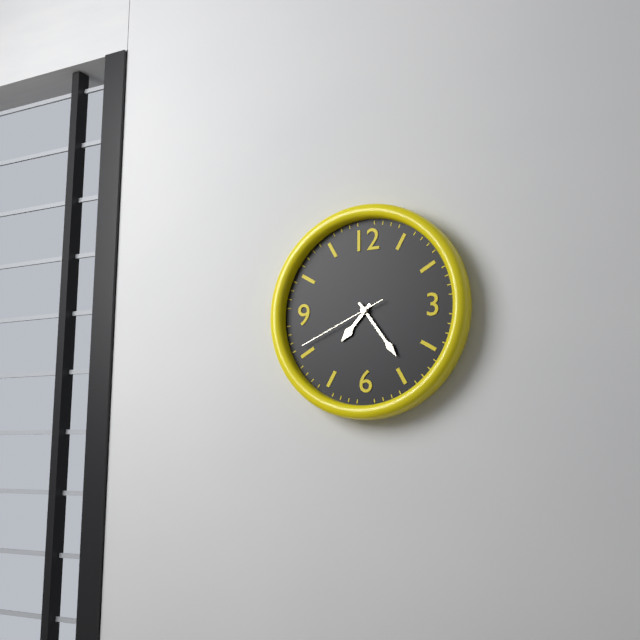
**7:24:41**
